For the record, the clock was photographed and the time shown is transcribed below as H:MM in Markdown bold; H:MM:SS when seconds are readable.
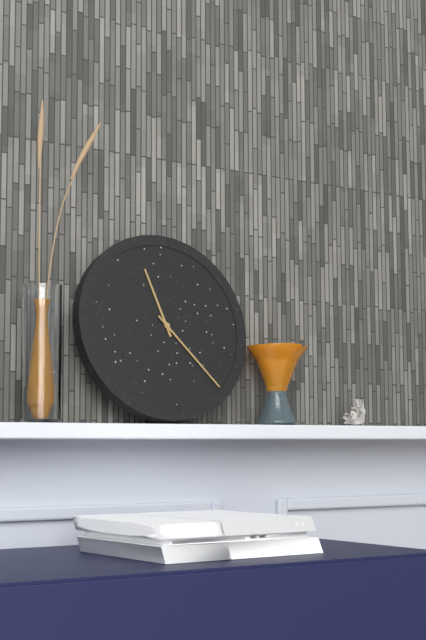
**11:23**
